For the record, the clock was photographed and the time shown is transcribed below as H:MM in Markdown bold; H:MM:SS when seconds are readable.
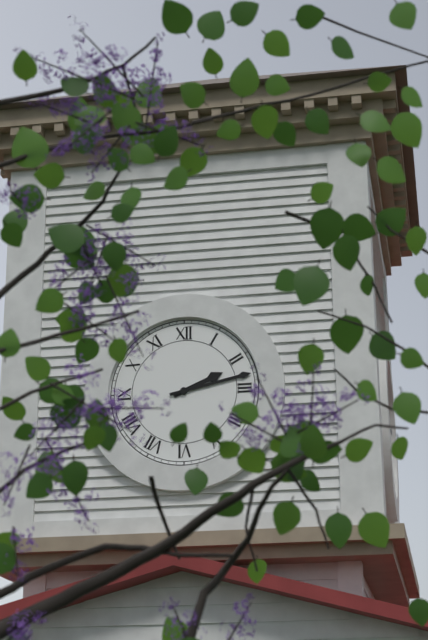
**2:13**
